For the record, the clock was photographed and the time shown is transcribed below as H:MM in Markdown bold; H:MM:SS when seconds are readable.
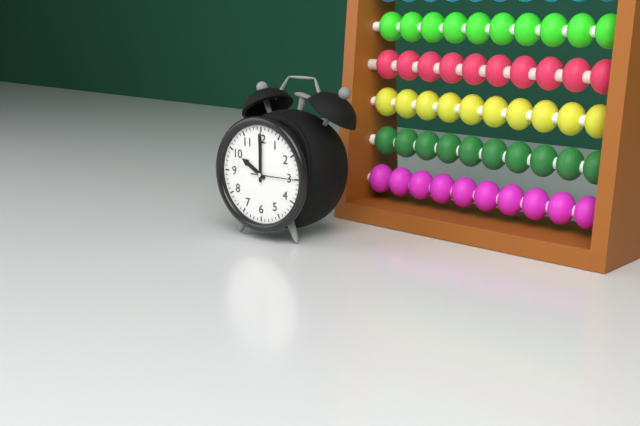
**10:00**
